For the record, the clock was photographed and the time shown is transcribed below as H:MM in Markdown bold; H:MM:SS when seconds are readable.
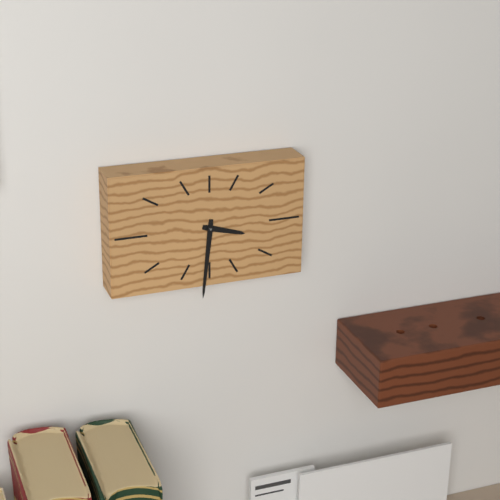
**3:31**
